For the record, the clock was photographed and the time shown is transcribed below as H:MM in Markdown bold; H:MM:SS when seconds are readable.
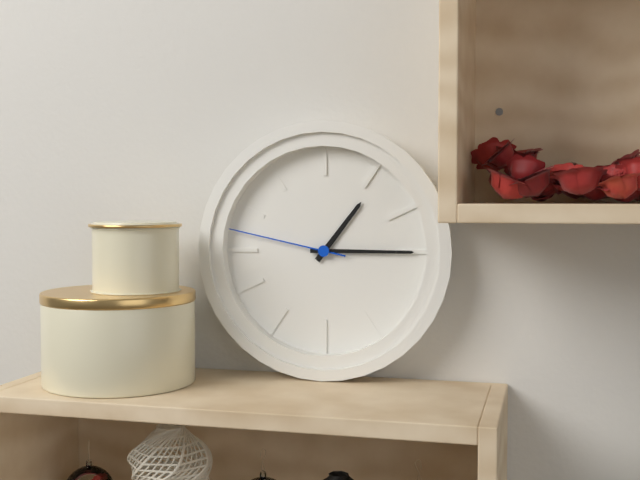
**1:15:47**
